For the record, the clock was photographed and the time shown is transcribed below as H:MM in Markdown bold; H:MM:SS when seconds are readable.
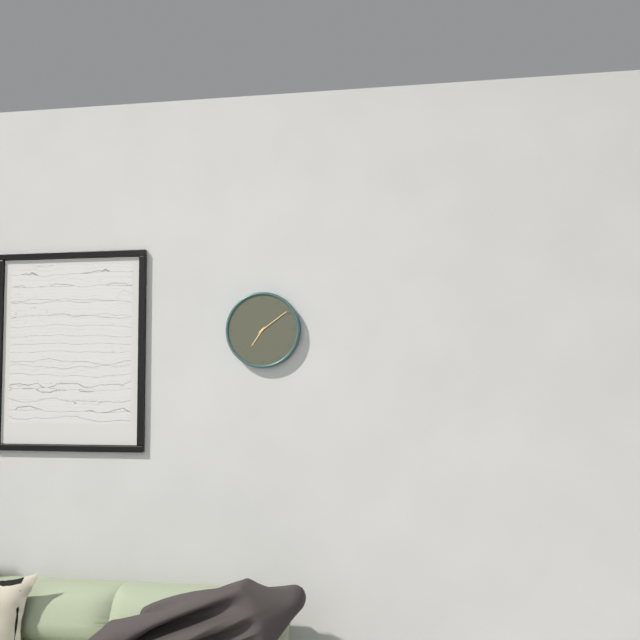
**7:09**
